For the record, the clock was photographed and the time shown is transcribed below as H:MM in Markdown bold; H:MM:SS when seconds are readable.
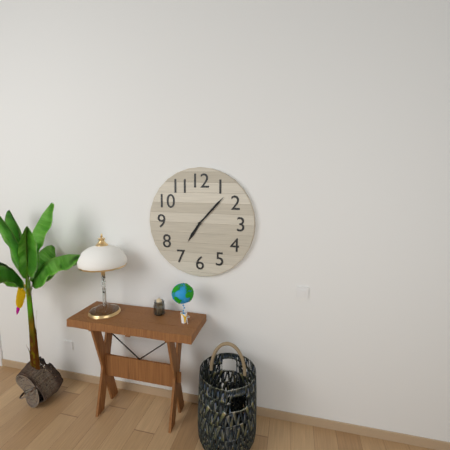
**7:07**
